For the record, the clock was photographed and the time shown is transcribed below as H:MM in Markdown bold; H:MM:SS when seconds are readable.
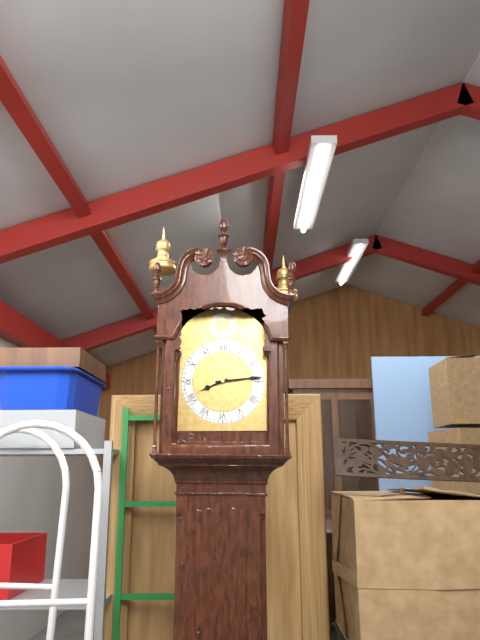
**8:14**
